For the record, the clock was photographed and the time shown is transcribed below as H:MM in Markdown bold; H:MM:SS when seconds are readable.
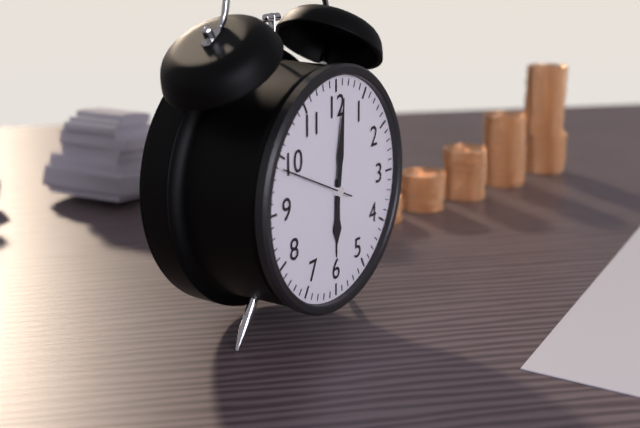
**6:01:49**
